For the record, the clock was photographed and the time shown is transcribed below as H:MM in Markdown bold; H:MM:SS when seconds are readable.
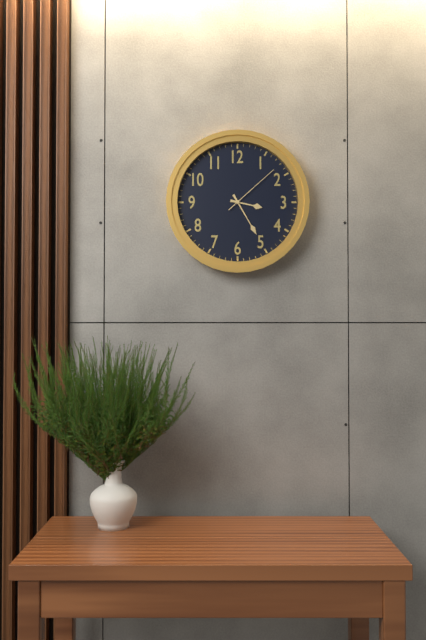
**3:25:08**
